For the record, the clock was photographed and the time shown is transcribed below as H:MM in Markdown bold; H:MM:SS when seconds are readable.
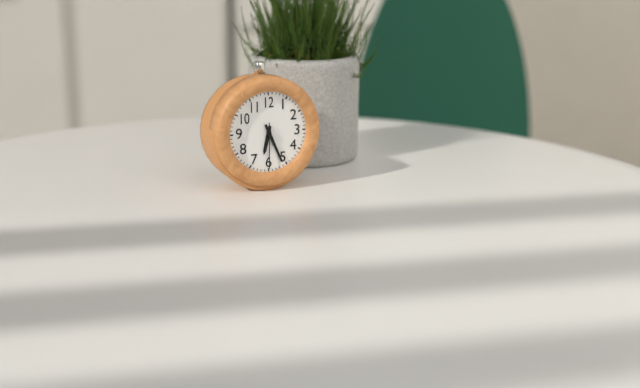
**6:26**
